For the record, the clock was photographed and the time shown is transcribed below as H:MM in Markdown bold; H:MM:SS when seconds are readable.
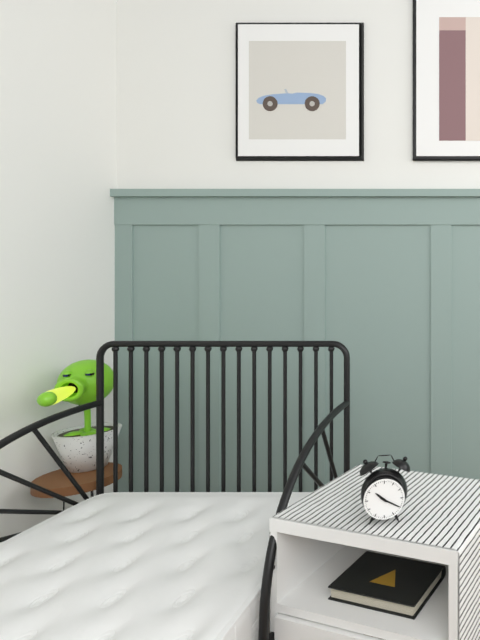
**10:20**
